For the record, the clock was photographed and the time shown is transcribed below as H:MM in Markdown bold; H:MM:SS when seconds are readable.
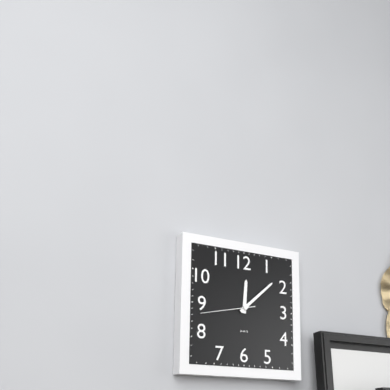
**12:08:43**
